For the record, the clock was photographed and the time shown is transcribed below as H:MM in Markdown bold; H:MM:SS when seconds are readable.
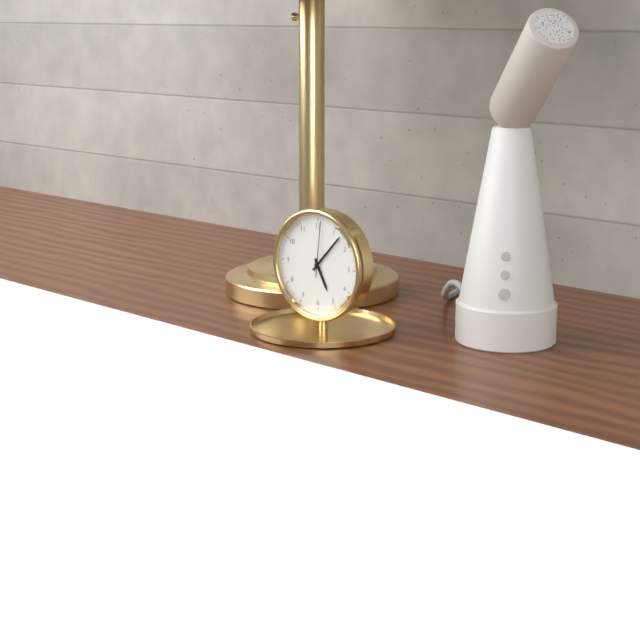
**5:07:01**
